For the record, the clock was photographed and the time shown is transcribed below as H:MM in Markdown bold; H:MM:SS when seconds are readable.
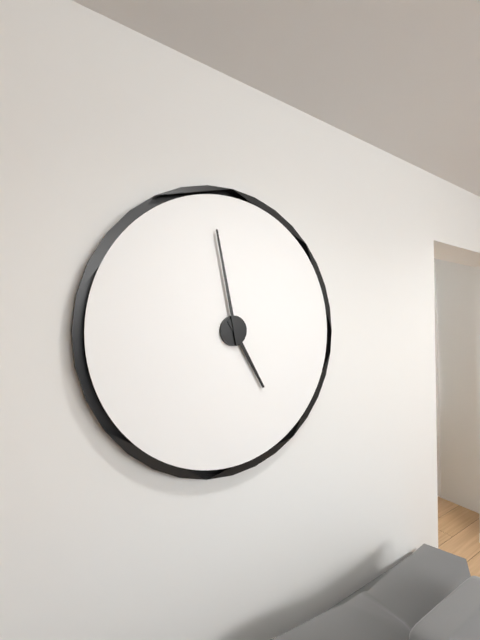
**4:58**
